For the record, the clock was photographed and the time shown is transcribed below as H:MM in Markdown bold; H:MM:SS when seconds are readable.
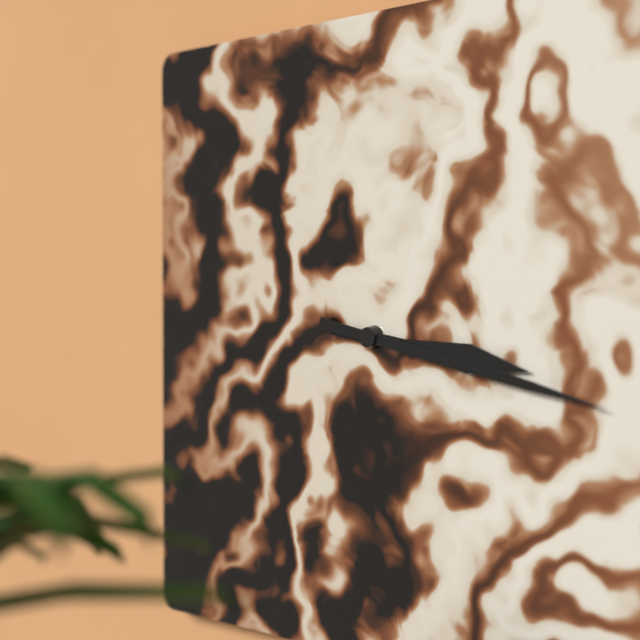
**3:17**
